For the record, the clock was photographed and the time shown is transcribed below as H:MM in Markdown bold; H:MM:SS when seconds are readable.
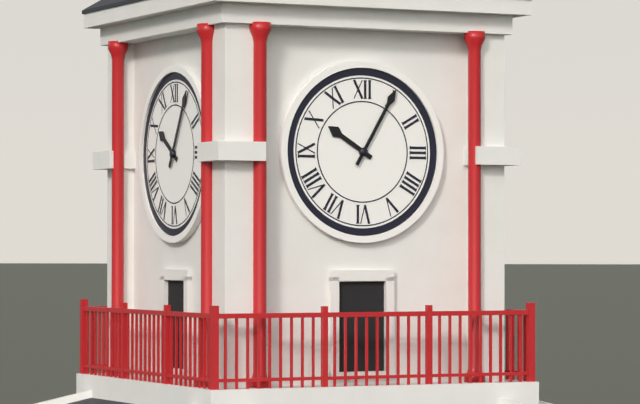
**10:05**
